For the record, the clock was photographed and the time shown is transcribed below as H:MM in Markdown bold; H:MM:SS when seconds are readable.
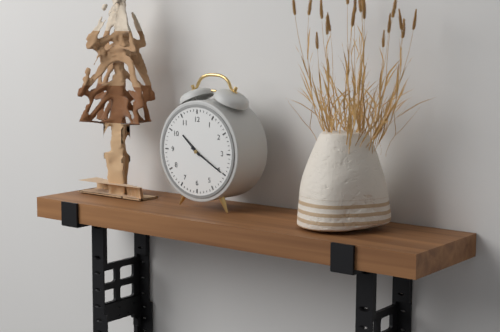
**10:20**
